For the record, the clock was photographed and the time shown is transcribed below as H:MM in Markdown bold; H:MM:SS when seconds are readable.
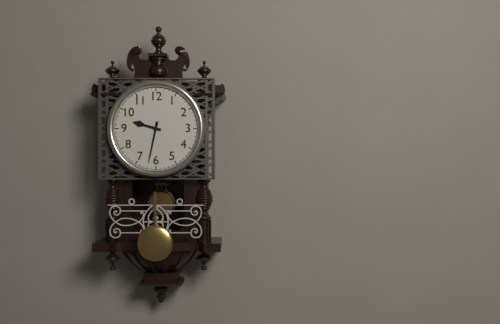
**9:32**
